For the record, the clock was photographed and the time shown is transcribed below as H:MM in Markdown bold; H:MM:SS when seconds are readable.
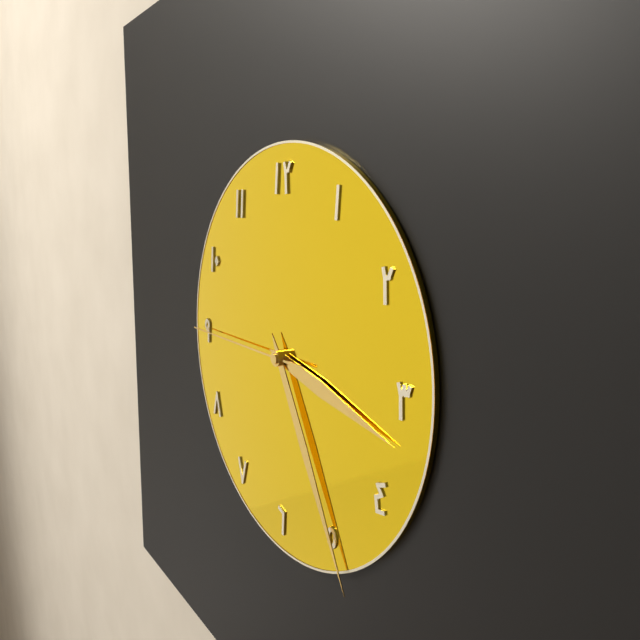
**3:25:45**
